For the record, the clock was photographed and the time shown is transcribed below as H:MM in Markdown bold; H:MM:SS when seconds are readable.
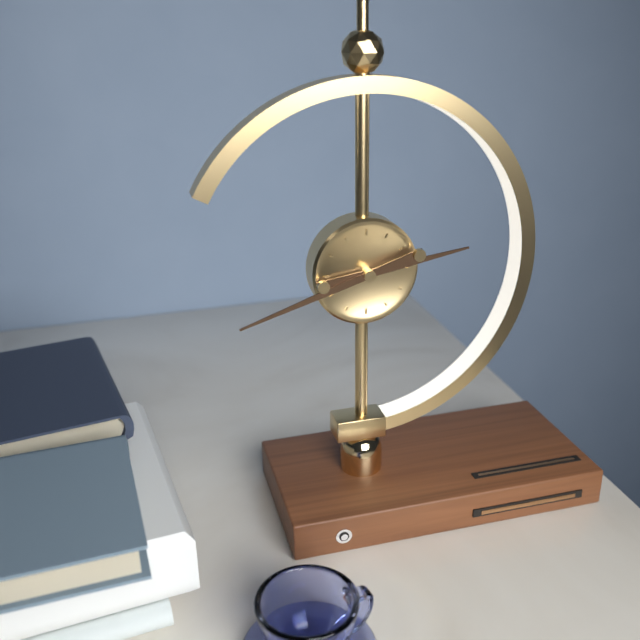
**2:42**
